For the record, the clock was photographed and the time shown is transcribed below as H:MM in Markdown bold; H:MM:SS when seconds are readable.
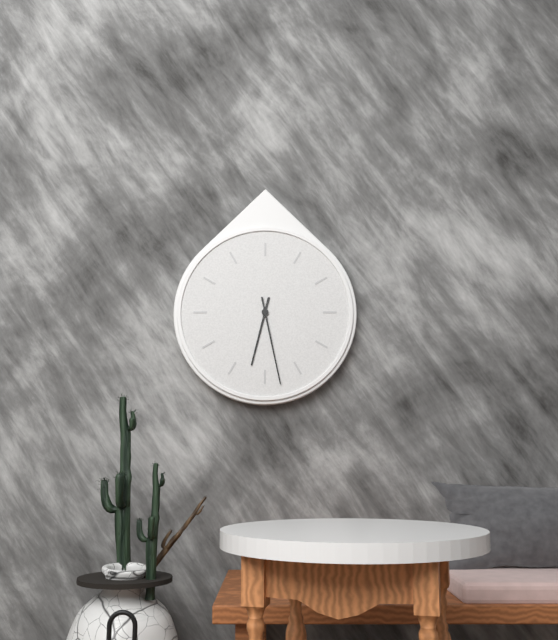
**6:28**
